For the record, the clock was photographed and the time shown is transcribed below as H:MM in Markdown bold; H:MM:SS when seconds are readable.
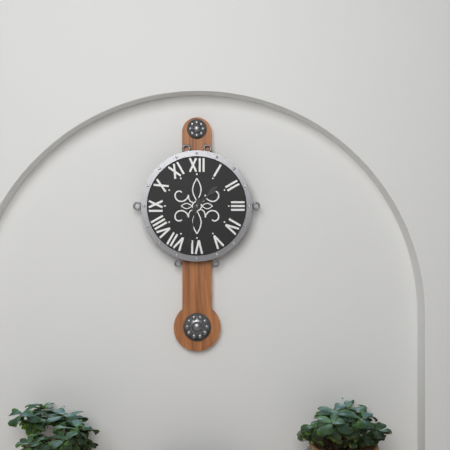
**1:32**
